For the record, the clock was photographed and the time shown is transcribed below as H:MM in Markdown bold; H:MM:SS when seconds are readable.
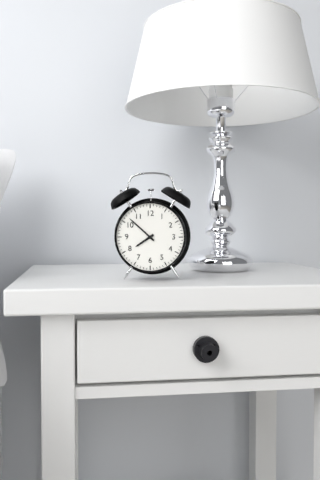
**7:52**
